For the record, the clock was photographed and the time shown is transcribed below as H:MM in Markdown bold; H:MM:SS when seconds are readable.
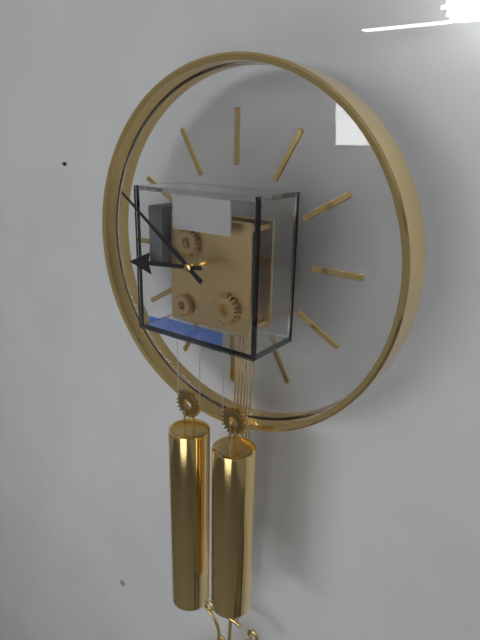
**8:51**
